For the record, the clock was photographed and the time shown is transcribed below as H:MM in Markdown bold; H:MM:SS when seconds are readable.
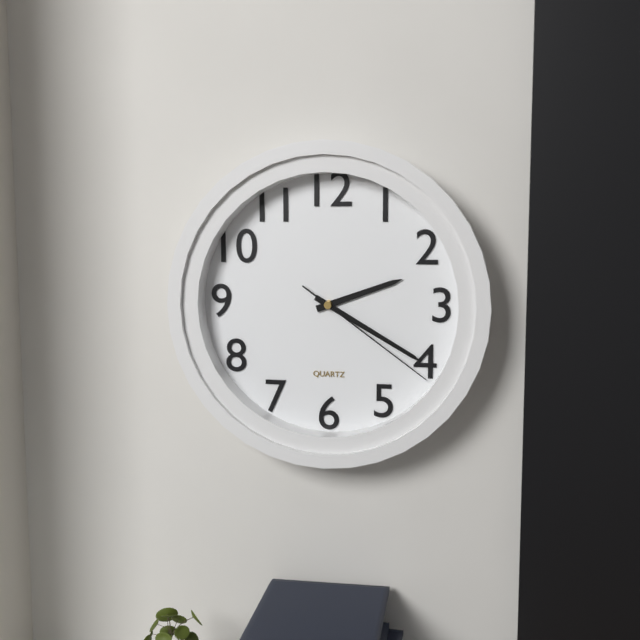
**2:20:21**
